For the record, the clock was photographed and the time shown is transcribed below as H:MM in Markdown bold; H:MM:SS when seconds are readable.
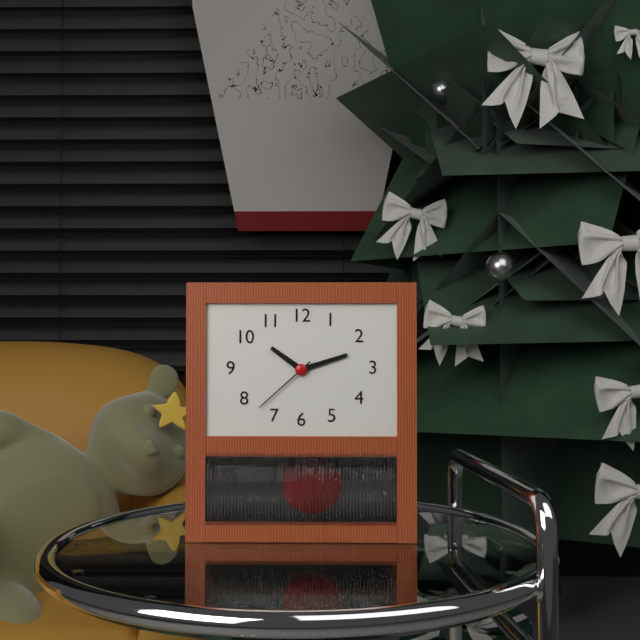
**10:12:38**
